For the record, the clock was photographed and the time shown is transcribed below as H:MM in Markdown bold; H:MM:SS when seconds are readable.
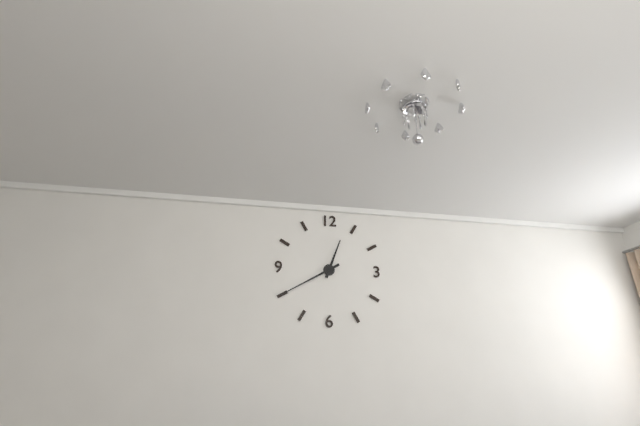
**12:40**
